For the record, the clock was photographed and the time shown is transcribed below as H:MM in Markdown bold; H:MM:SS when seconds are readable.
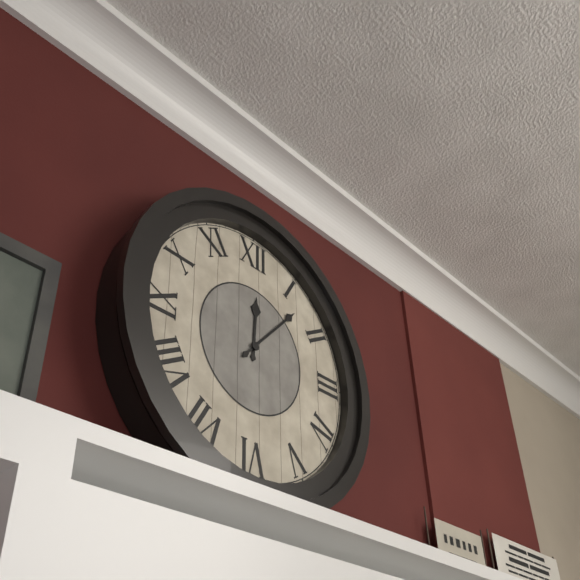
**12:07**
